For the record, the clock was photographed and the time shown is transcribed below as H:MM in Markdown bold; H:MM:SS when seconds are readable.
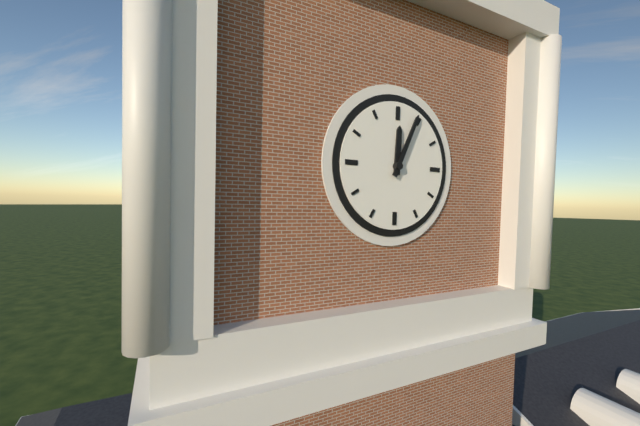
**12:04**
